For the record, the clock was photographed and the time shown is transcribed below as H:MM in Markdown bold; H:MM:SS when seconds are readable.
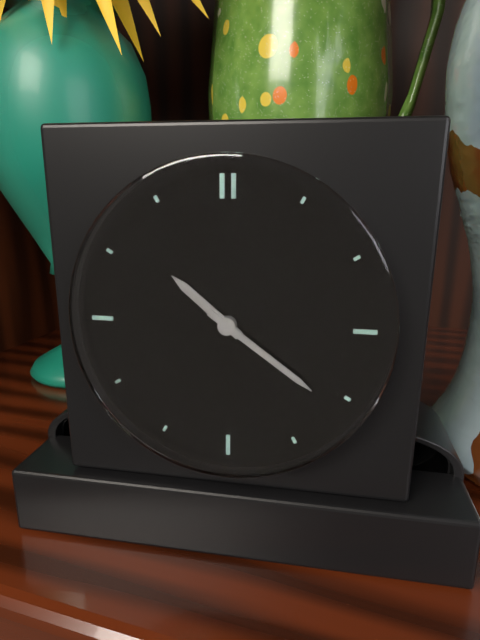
**10:21**
